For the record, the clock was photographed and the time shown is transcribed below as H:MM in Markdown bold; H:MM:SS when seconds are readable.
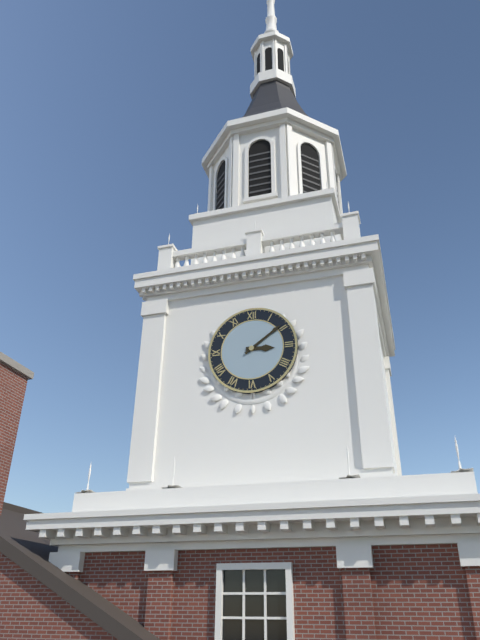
**3:09**
